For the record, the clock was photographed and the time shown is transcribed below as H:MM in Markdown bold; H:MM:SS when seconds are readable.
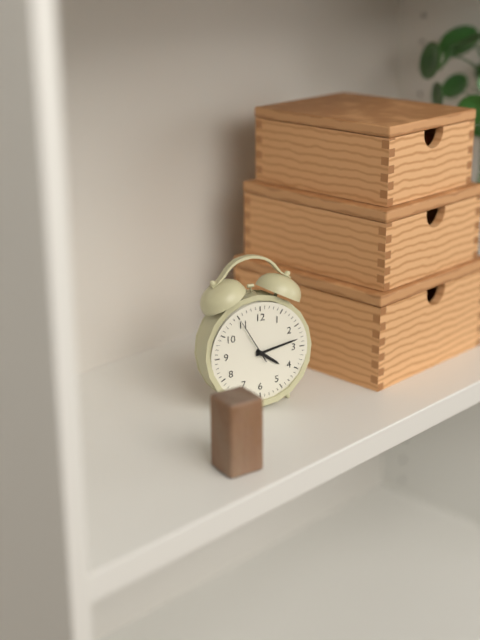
**4:13**
